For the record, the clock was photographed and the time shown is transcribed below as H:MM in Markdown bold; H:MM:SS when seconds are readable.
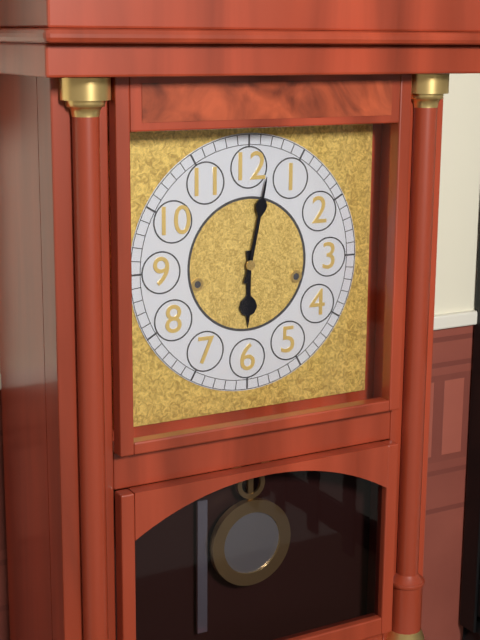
**6:02**
